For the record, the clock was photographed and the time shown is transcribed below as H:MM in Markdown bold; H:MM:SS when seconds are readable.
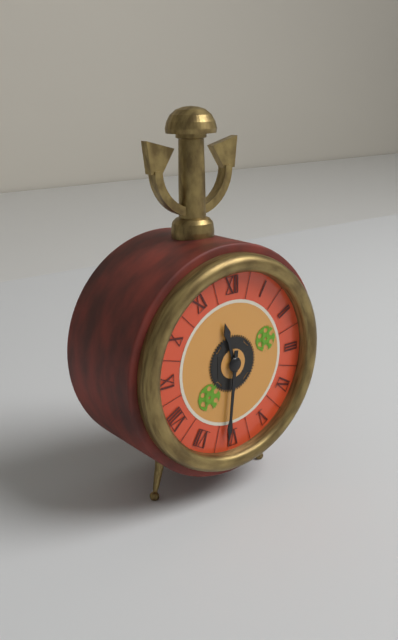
**11:31**
